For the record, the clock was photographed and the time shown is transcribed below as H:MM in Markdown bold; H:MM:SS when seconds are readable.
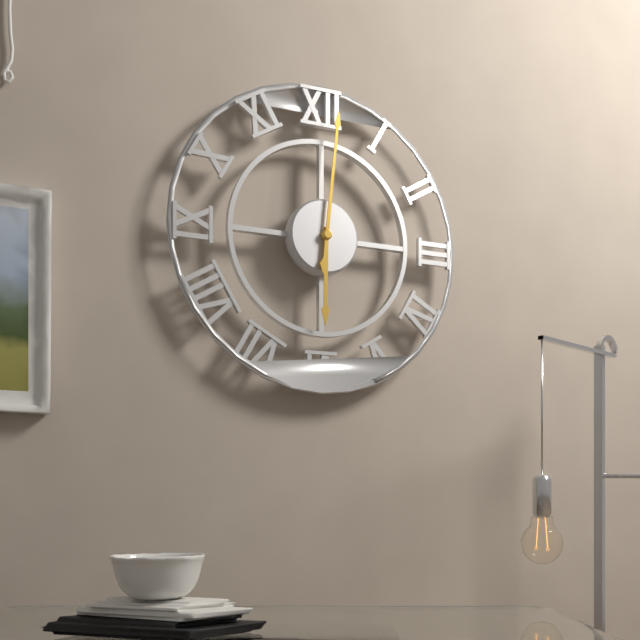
**6:01**
